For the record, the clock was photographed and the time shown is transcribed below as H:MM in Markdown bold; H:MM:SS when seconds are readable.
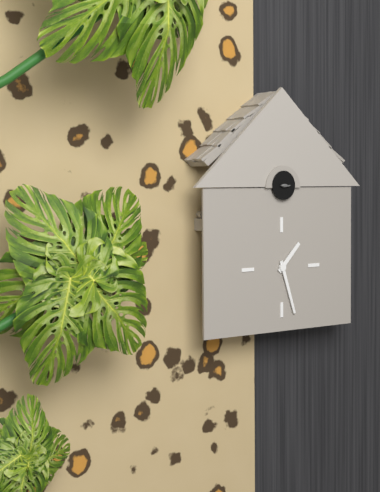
**1:27**
